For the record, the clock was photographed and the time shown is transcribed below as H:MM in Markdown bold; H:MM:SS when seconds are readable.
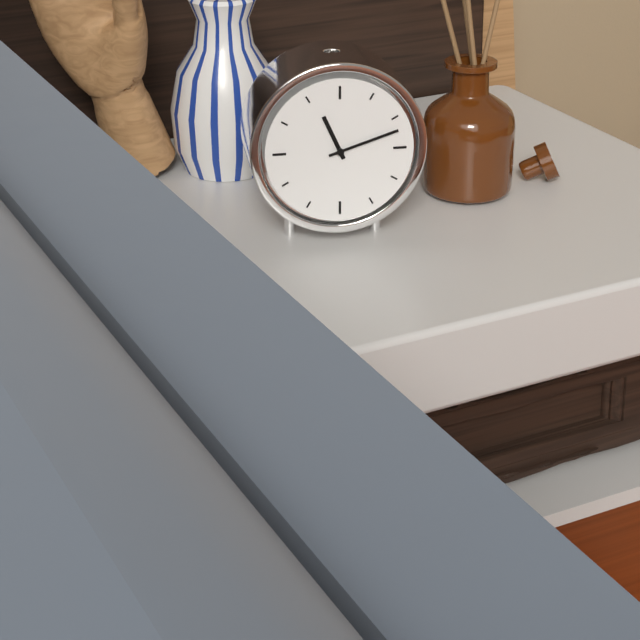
**11:12**
